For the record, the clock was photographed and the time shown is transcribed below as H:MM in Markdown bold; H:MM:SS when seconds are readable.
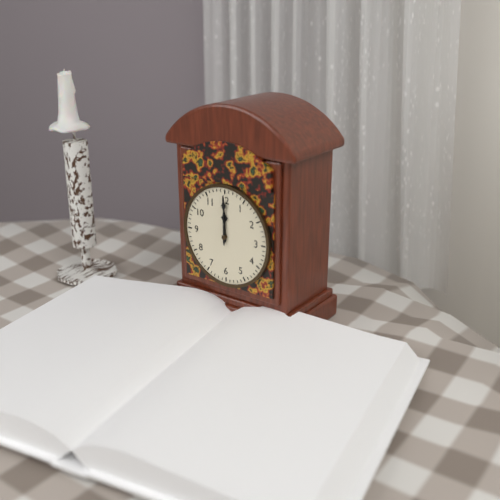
**12:00**
